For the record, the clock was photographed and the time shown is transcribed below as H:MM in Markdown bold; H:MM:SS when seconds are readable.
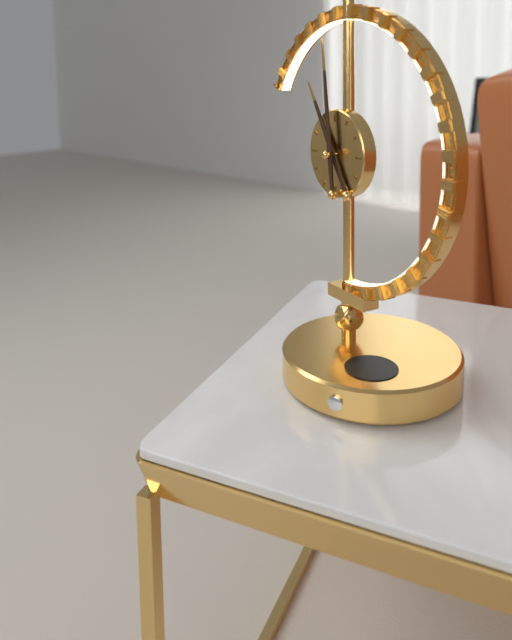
**10:59**
